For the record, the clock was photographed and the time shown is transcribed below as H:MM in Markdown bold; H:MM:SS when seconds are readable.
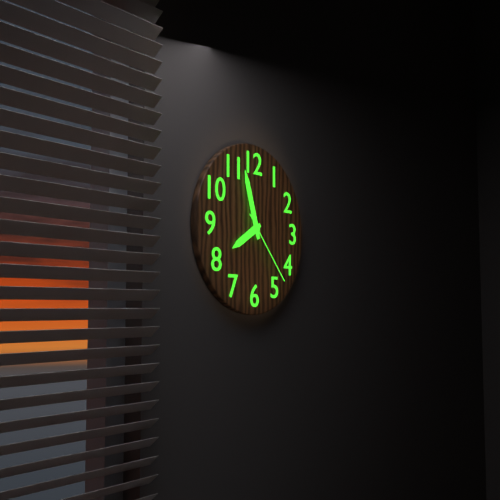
**7:57:23**
